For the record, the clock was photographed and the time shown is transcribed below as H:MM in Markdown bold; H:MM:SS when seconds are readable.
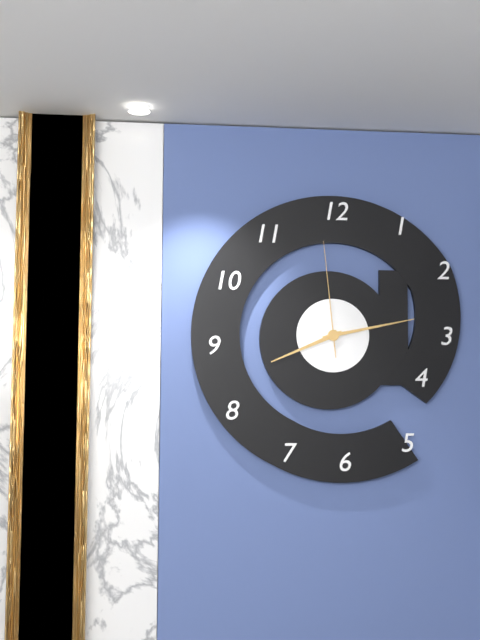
**8:13:59**
